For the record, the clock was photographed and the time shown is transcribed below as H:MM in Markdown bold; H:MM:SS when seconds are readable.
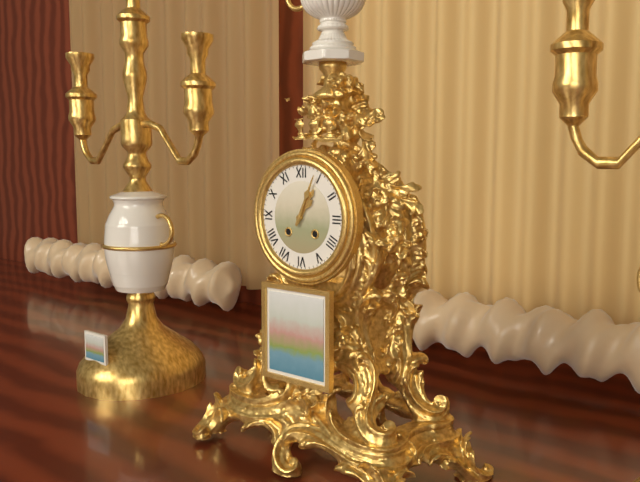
**1:04**
